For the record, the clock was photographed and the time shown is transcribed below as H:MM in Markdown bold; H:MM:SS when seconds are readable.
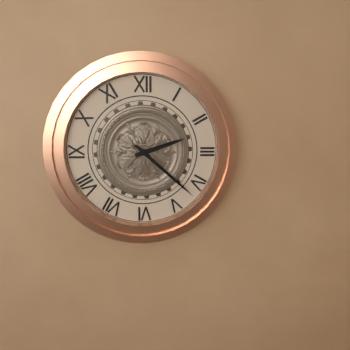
**2:22**
